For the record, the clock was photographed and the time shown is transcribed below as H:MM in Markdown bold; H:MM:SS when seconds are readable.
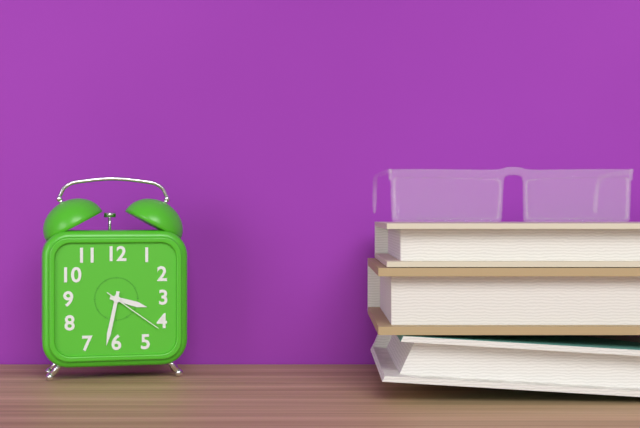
**3:32:21**
